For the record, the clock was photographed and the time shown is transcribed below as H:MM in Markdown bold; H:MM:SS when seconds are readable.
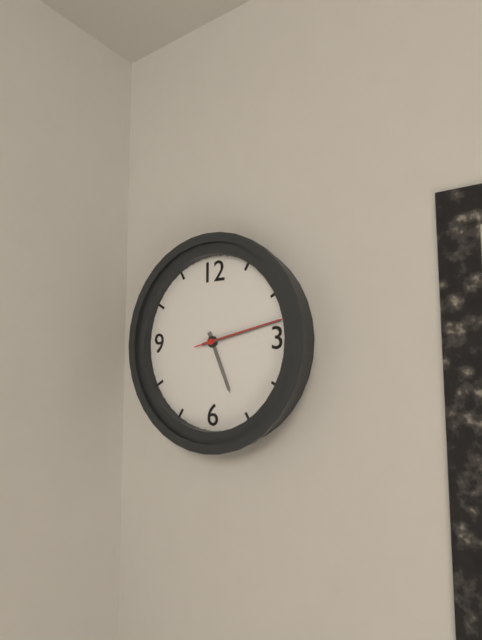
**5:13:13**
